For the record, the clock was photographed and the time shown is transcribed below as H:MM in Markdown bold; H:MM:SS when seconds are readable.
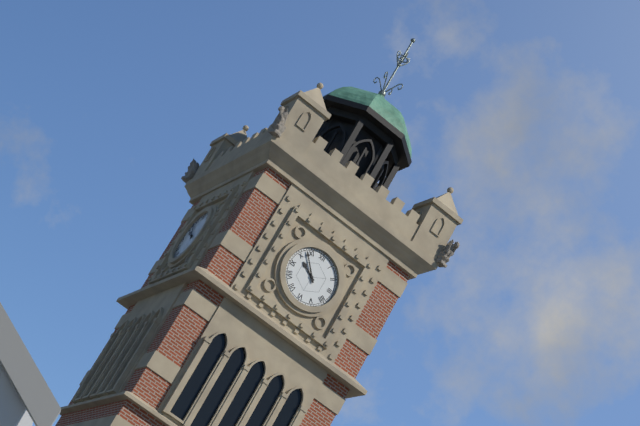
**9:53**
